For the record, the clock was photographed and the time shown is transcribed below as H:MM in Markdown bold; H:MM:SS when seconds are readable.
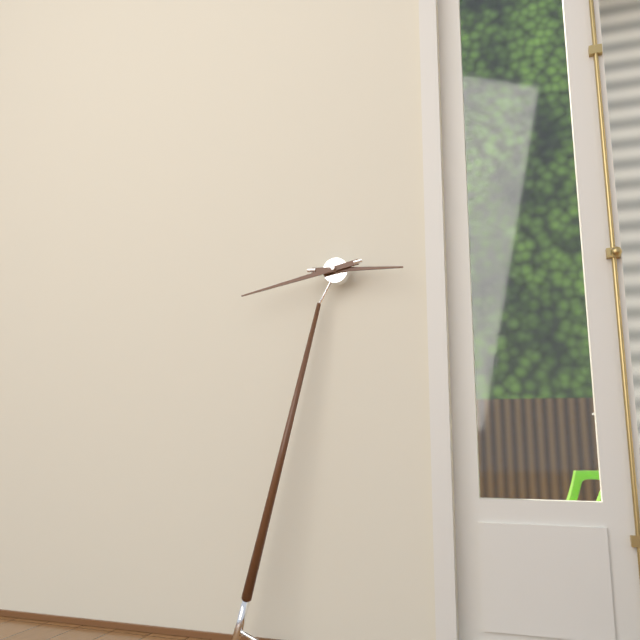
**2:41**
